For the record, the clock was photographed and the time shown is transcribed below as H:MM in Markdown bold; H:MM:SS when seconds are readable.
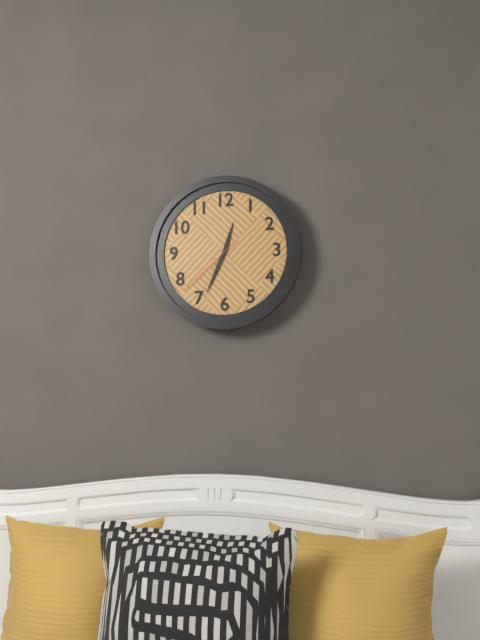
**12:34:38**
